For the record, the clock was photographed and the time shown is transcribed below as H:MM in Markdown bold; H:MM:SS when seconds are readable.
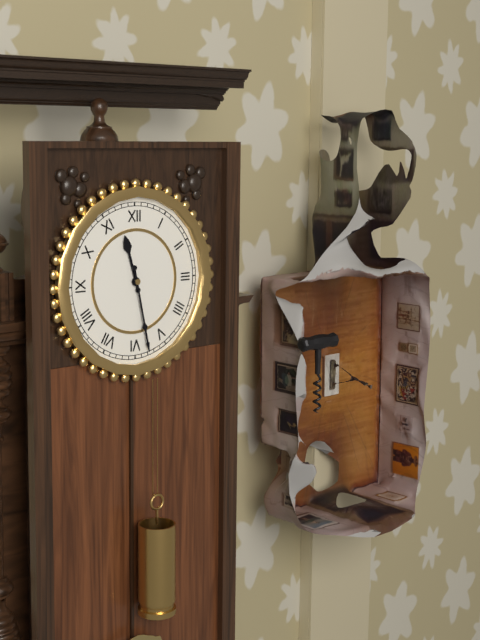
**11:28**
